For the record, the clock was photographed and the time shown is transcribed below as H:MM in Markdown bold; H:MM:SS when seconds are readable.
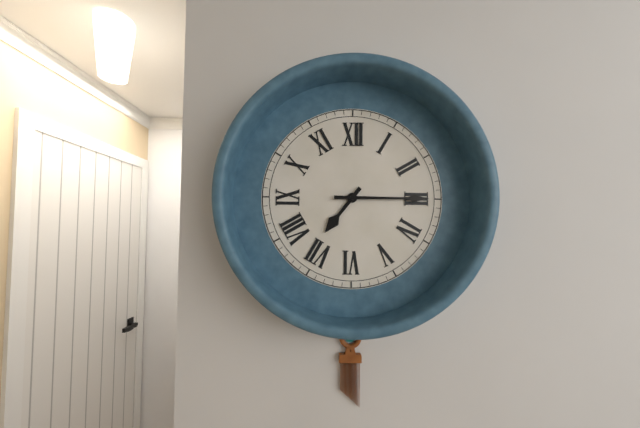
**7:15**
